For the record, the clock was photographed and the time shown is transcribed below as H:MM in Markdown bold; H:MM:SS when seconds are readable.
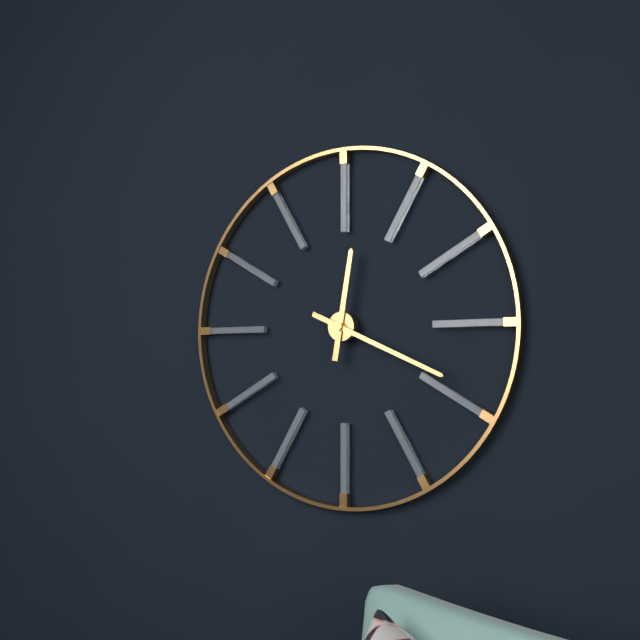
**12:19**
